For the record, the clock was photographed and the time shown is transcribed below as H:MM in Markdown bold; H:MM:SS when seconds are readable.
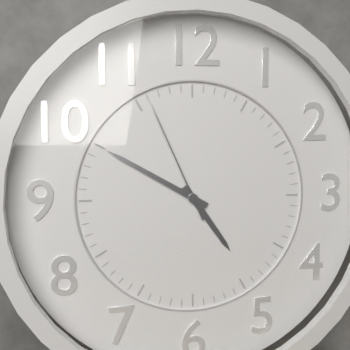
**4:50:56**
